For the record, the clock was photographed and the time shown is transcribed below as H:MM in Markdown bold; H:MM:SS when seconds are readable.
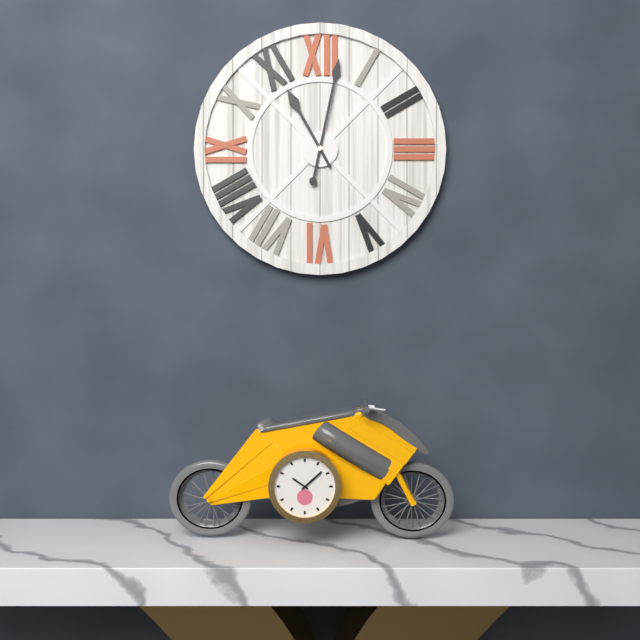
**11:02**
